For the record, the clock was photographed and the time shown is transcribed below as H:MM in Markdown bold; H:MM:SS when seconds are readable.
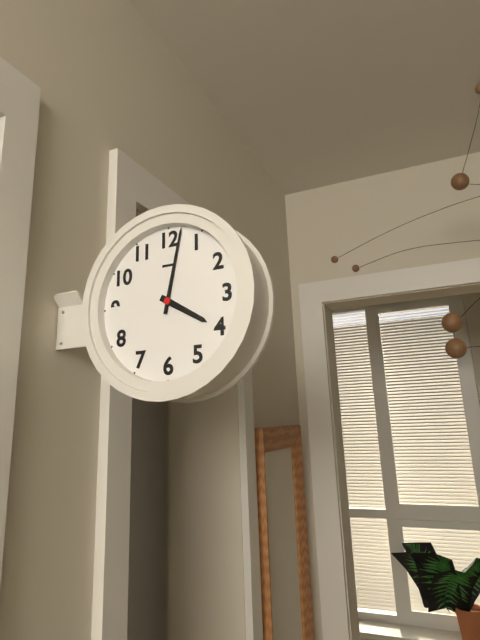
**4:02**
